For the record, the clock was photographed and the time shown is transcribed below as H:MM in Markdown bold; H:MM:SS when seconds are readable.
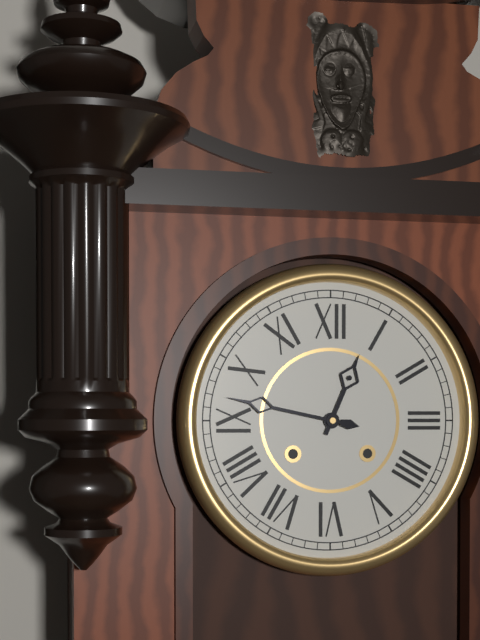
**12:47**
